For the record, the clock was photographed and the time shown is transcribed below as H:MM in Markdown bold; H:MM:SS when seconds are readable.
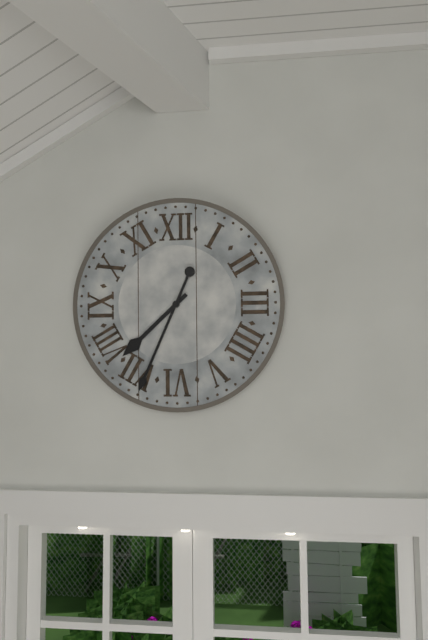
**7:34**
